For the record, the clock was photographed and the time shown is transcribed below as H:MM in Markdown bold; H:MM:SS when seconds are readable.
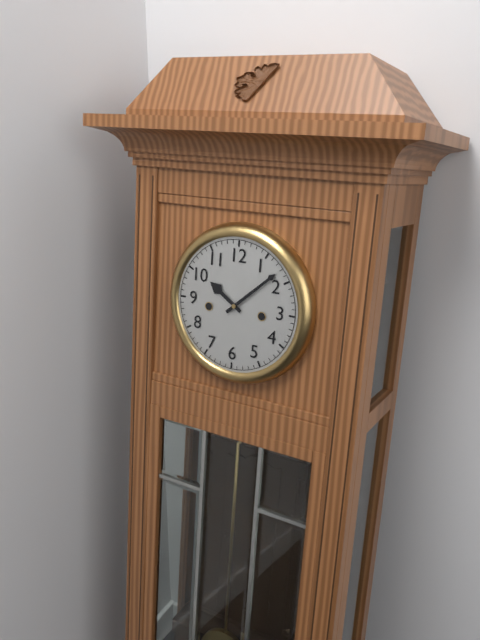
**10:08**
